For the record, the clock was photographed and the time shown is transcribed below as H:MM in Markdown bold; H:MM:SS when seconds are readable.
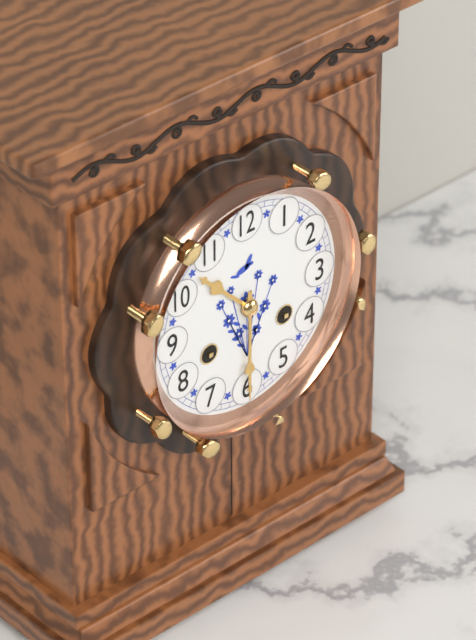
**10:30**
